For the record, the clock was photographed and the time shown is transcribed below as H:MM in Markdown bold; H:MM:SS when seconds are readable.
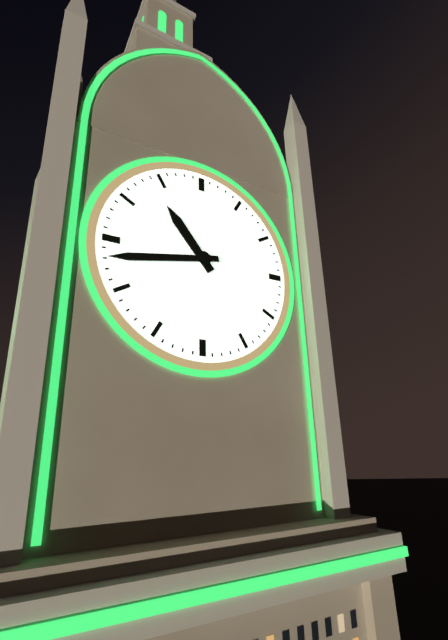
**10:43**
